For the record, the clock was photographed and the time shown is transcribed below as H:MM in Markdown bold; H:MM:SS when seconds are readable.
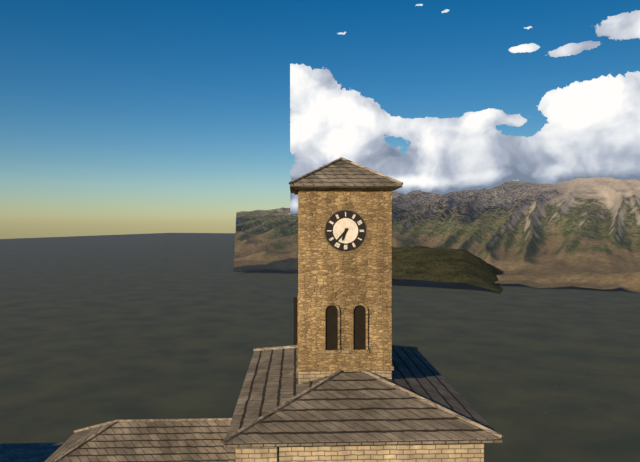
**6:37**
